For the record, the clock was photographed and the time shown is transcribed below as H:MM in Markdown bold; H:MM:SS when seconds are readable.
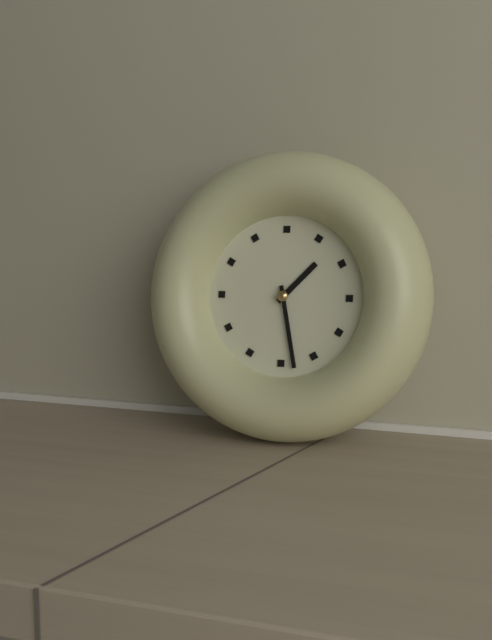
**1:28**
